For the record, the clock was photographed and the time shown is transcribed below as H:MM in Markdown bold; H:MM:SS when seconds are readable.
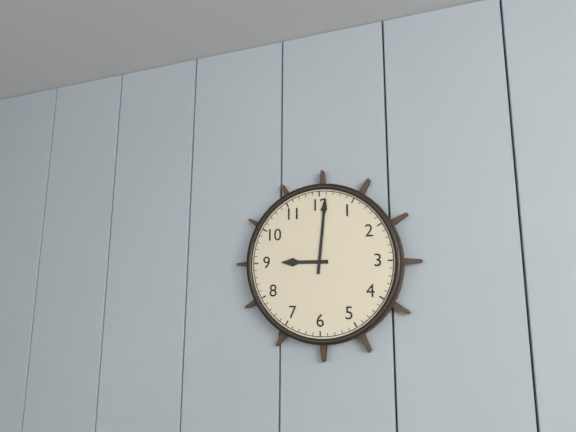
**9:01**
